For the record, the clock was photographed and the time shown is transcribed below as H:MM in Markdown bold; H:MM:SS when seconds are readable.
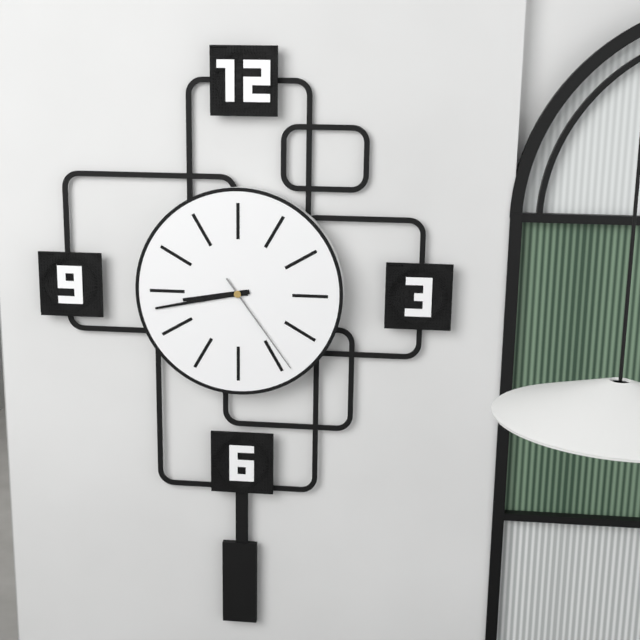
**8:43:24**
